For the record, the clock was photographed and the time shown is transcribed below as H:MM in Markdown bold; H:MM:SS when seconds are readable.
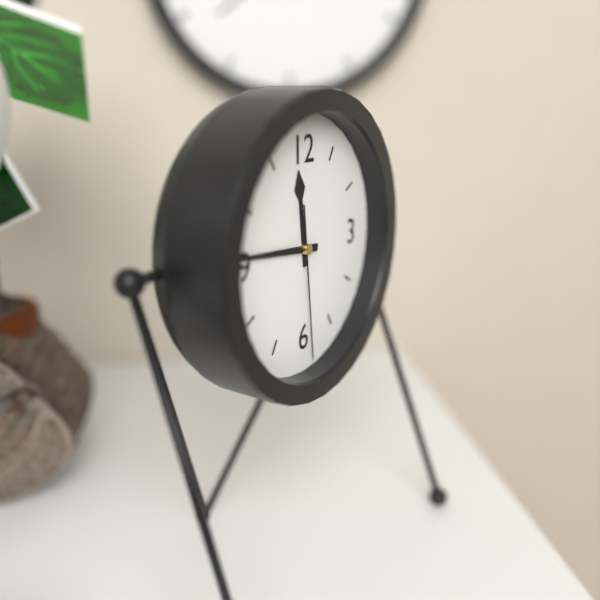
**11:46:29**
